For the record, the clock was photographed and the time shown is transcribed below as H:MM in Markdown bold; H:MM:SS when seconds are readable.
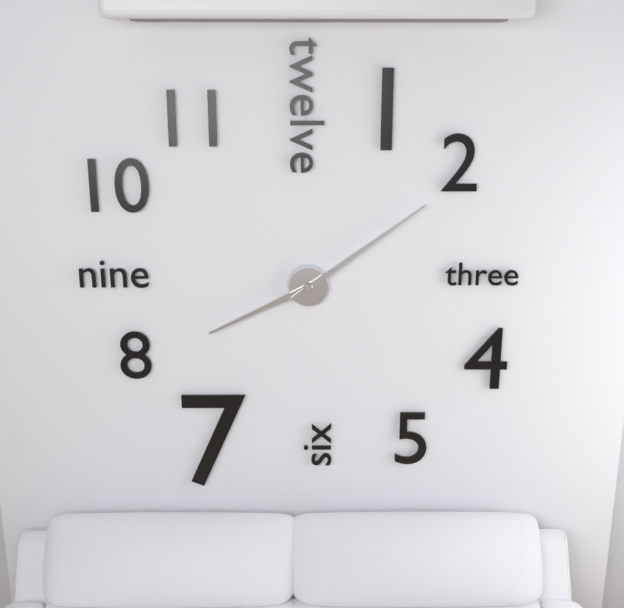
**8:09**
